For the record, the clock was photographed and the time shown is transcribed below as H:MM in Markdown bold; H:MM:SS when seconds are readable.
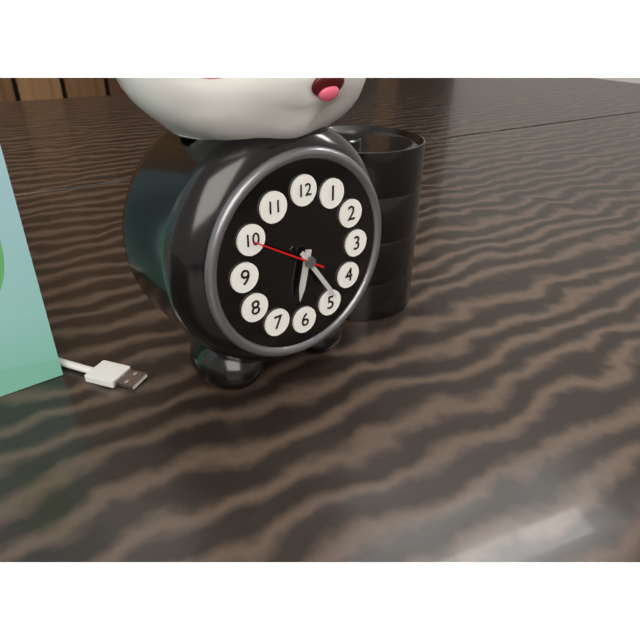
**6:24:50**
